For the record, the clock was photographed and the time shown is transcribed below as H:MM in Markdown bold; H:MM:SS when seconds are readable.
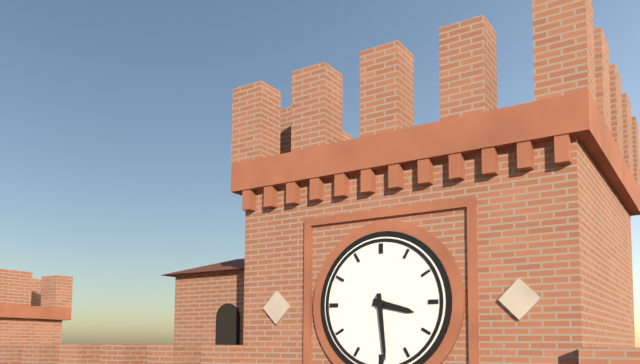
**3:29**
